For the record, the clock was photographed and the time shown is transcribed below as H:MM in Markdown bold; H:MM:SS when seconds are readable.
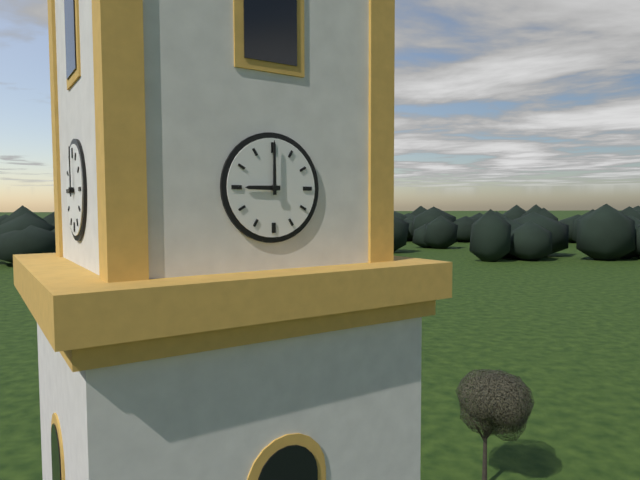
**9:00**
